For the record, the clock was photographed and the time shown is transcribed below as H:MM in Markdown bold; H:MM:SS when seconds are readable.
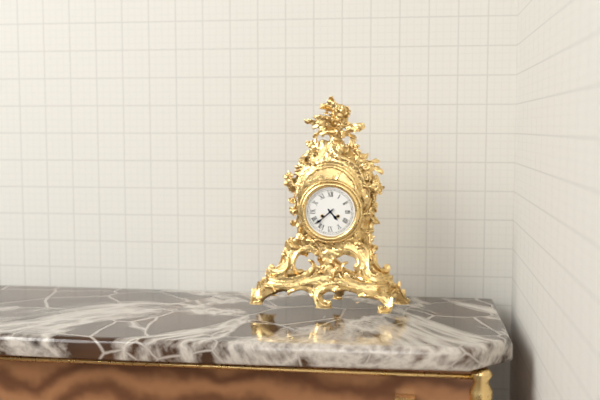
**4:38**
